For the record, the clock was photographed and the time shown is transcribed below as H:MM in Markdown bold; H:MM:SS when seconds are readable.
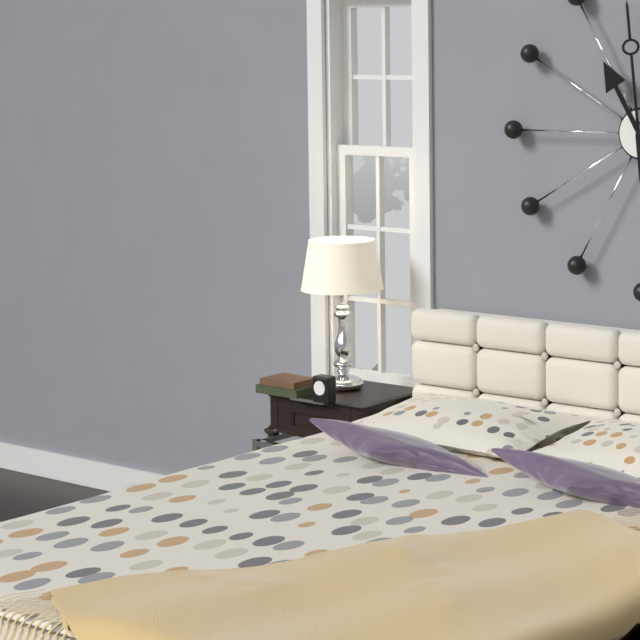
**10:59**
